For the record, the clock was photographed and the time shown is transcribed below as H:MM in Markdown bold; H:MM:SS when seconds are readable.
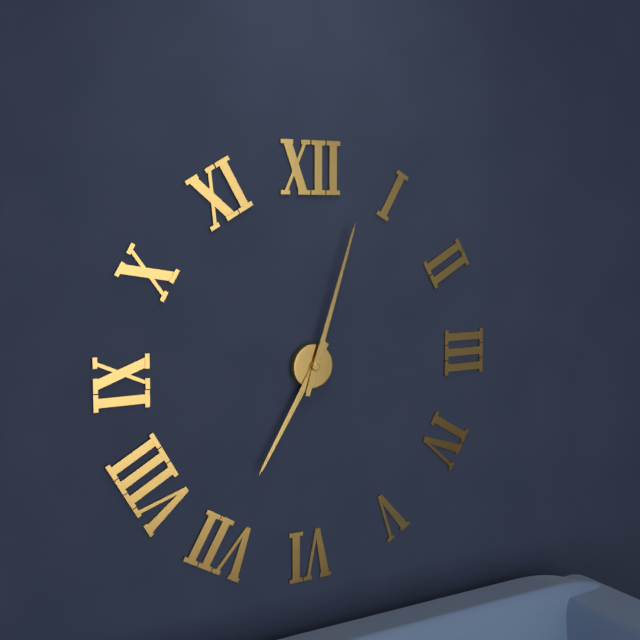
**7:03**
